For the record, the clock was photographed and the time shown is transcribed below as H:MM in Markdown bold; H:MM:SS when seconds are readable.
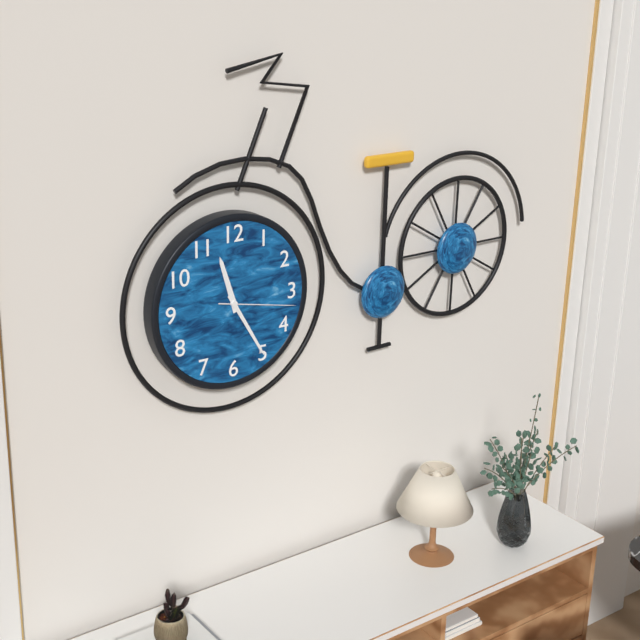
**11:25:17**
